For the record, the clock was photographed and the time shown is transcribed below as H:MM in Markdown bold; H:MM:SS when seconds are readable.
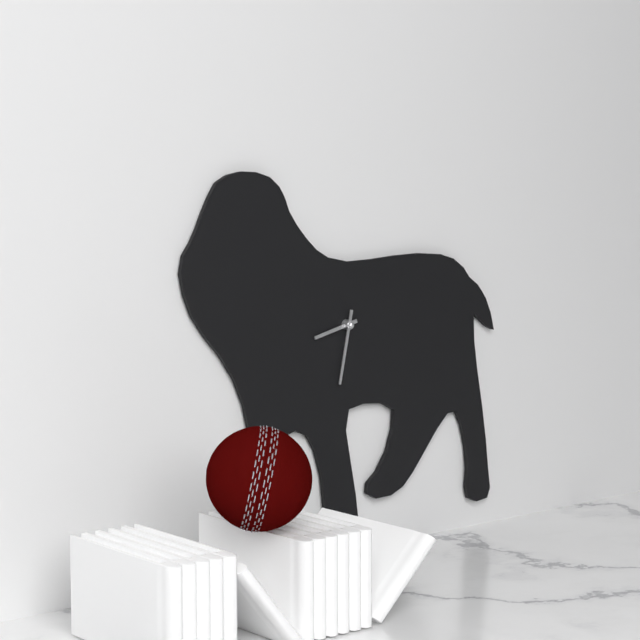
**8:32**
